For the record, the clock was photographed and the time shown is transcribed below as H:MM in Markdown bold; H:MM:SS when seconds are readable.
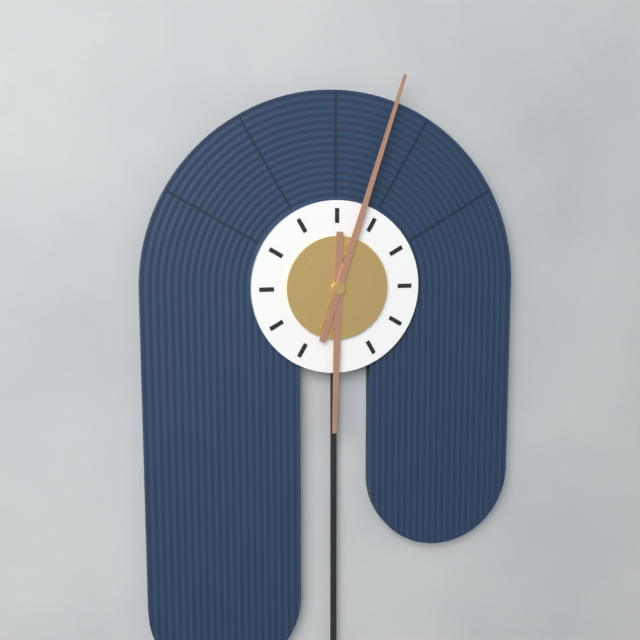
**6:03**
